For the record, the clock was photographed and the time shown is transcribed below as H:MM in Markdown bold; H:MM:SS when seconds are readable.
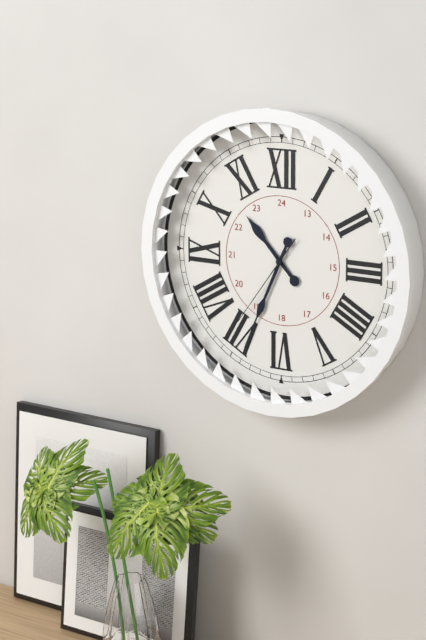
**10:34:36**
